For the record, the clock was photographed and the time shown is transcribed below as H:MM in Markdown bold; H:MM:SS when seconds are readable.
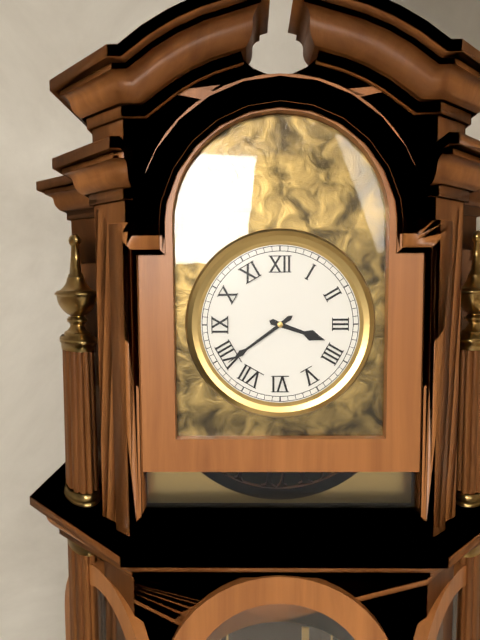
**3:39**
